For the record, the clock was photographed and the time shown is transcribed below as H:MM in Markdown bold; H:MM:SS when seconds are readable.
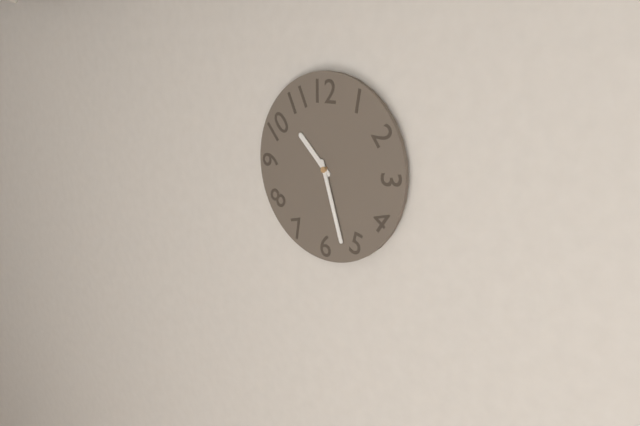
**10:27**
